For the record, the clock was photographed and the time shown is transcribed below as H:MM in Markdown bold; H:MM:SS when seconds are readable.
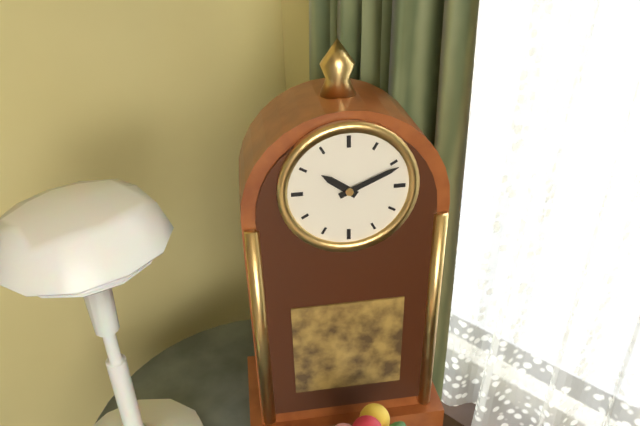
**10:11**
